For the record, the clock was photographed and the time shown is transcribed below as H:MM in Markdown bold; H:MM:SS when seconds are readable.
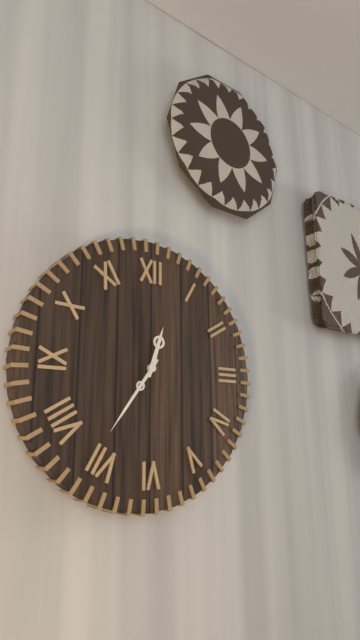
**12:36**
